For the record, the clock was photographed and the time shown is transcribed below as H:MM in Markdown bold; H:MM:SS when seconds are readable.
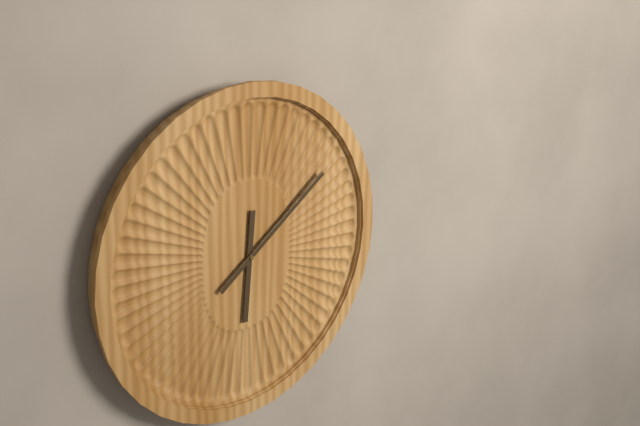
**6:09**
